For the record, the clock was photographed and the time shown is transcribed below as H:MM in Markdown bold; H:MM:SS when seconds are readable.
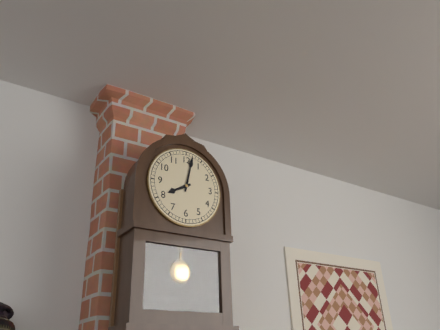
**8:02**
